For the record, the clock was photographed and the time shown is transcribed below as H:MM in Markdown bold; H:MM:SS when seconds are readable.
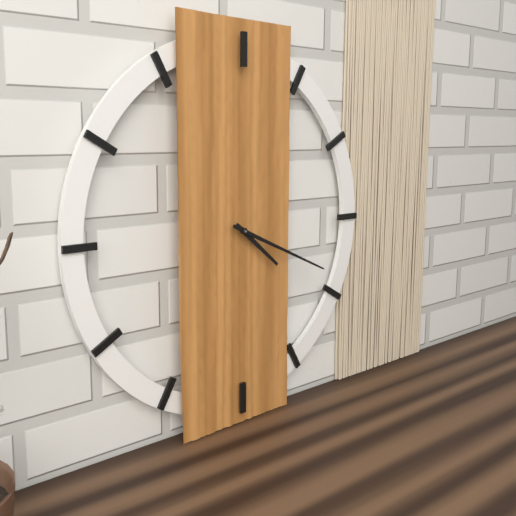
**4:19**
